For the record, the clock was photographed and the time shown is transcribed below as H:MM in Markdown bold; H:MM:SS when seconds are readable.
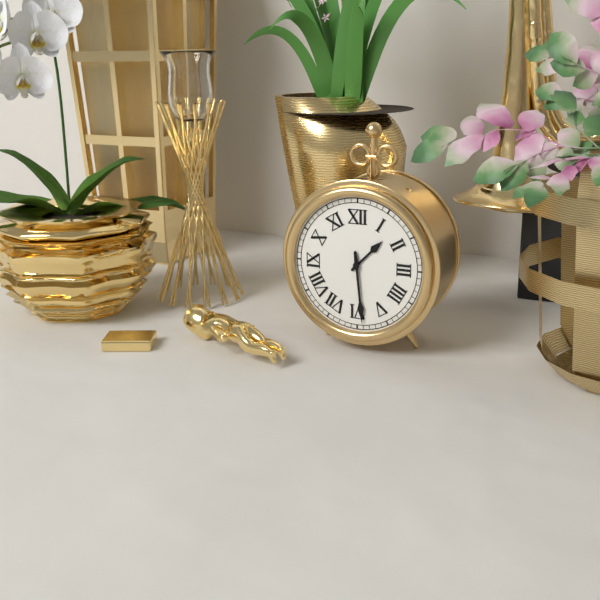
**1:29**
